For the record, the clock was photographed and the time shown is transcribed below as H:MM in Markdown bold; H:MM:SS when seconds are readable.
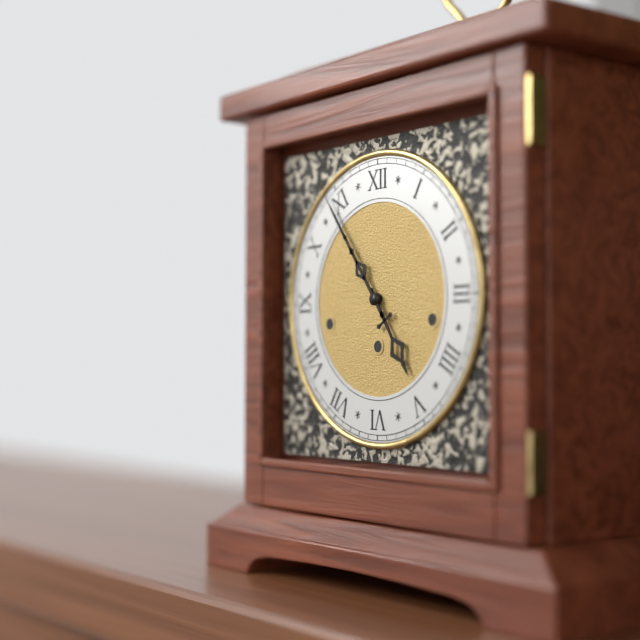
**4:54**
